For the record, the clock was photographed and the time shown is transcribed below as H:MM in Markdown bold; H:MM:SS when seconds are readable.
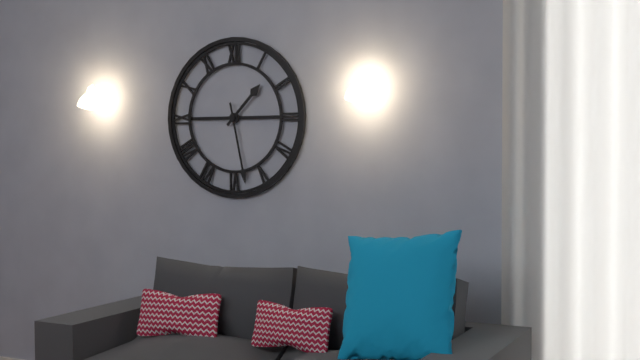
**1:28**
